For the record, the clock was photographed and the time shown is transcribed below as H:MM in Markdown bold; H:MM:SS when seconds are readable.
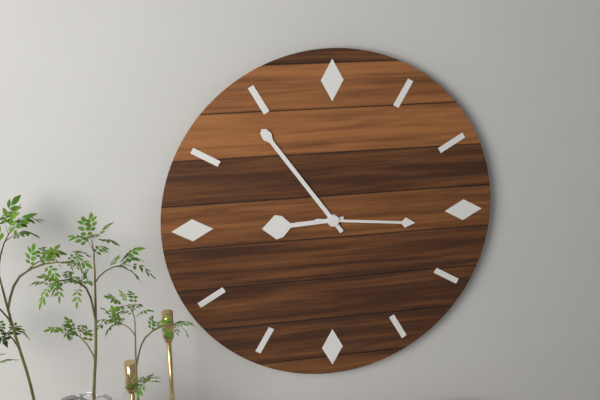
**8:54:16**
